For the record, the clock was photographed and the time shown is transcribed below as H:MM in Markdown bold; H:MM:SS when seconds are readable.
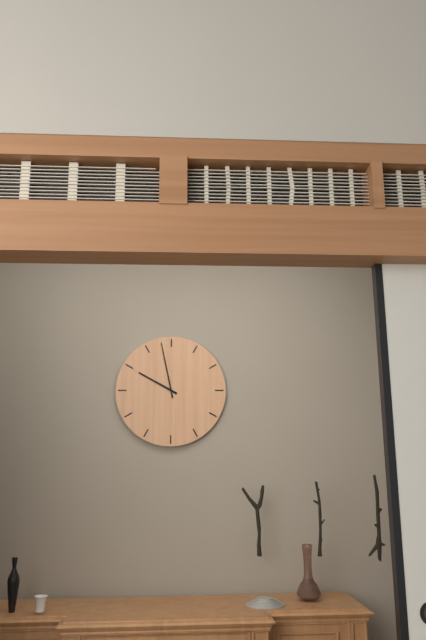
**9:58**
